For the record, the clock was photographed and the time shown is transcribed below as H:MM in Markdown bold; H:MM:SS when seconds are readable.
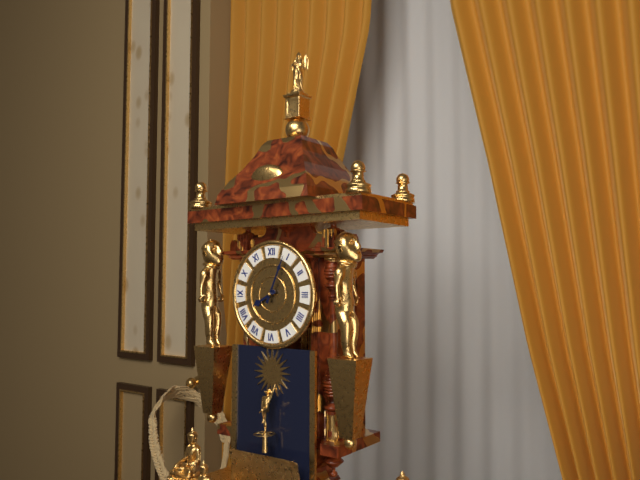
**8:04**
